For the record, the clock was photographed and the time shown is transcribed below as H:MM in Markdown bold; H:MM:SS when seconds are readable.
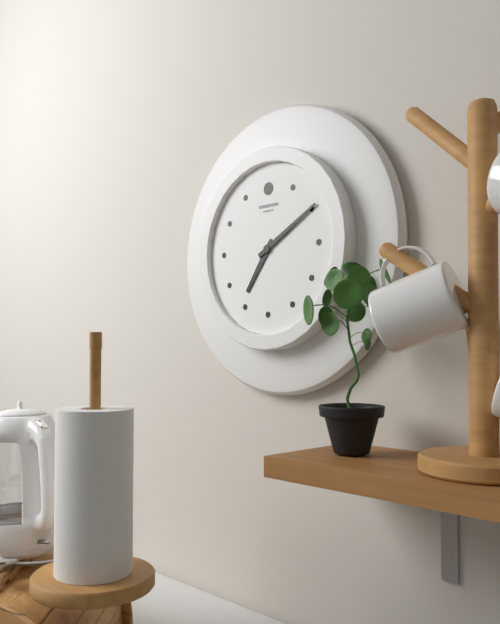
**7:10**
